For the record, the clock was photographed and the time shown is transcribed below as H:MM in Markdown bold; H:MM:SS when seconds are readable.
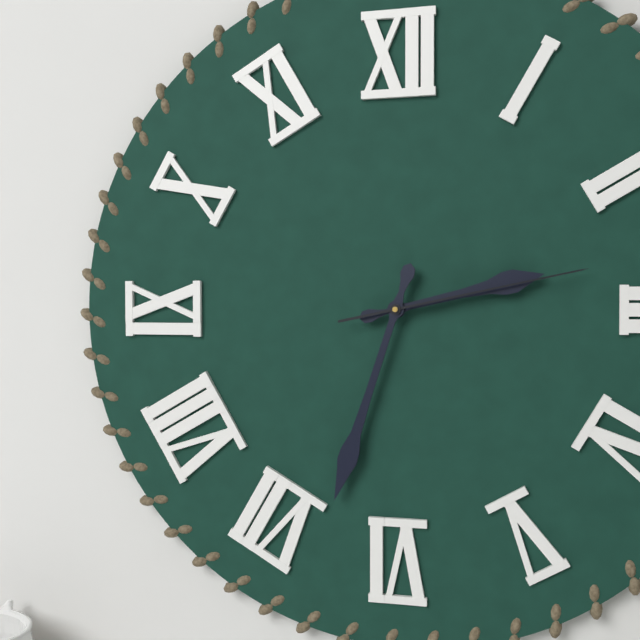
**2:33:13**
